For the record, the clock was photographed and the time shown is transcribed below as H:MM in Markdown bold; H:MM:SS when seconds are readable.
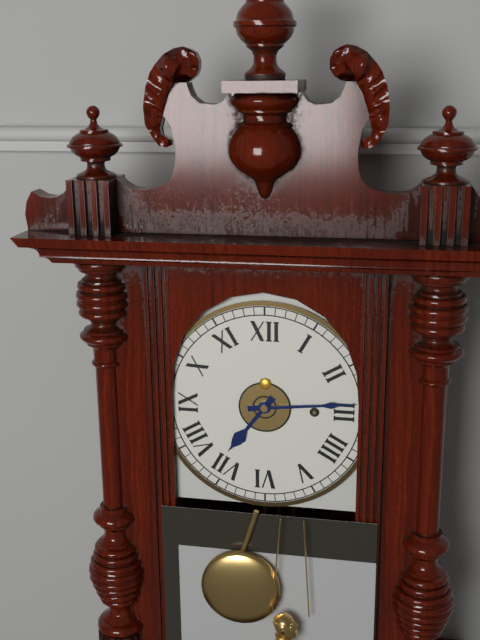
**7:14**
